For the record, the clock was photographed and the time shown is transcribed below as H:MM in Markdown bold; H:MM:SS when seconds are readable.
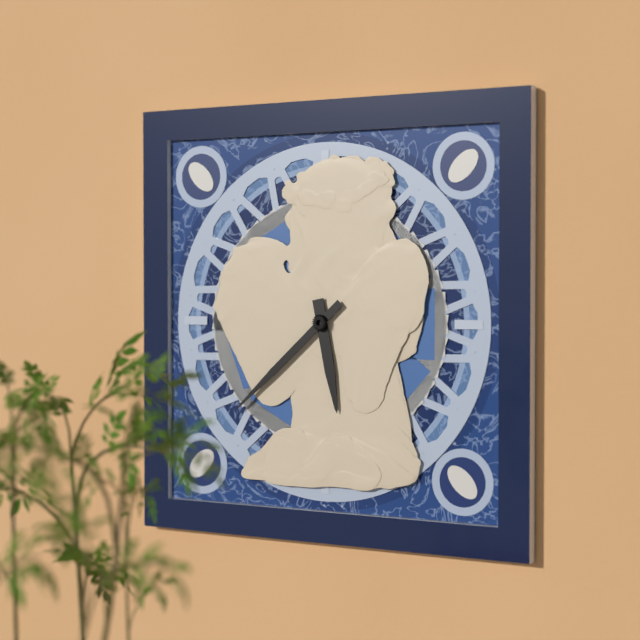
**5:38**
